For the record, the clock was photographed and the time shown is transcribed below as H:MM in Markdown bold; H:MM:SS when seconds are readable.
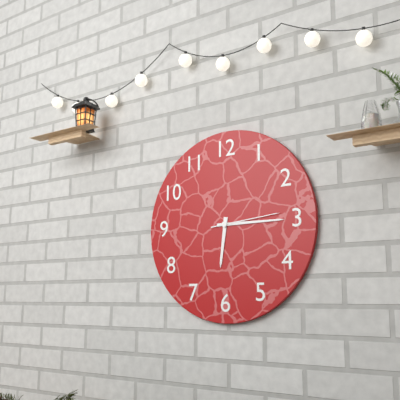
**6:15:14**
